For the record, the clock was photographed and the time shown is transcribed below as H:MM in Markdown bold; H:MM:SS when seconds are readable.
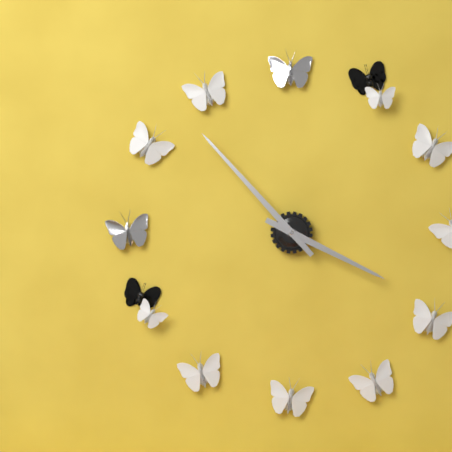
**3:53**
